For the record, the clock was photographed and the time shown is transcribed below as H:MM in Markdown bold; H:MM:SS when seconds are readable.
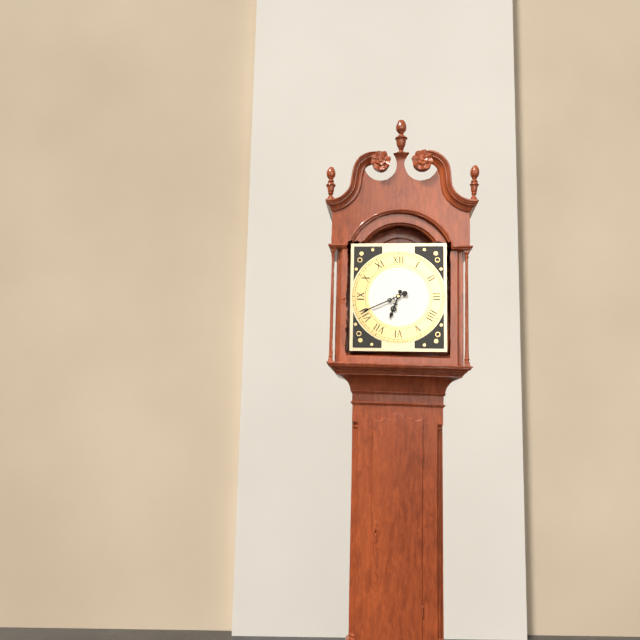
**6:41**
